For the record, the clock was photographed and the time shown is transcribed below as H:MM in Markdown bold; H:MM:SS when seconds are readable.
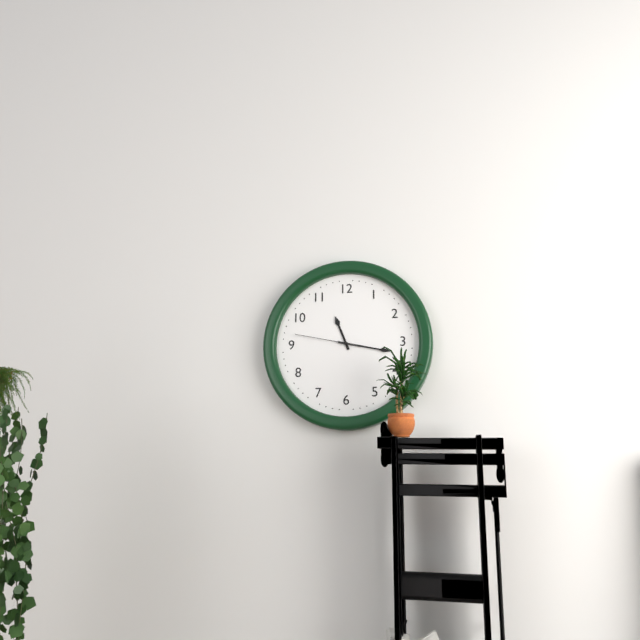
**11:17:47**
